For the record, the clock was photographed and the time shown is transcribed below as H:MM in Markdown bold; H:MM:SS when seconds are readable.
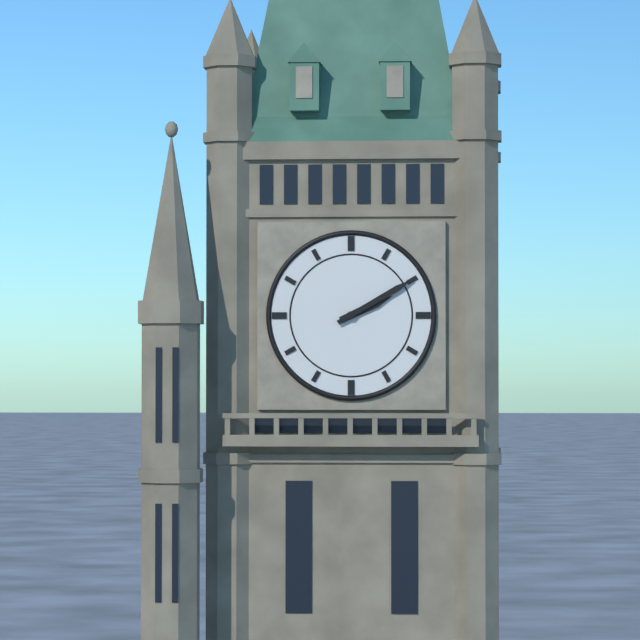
**2:10**
